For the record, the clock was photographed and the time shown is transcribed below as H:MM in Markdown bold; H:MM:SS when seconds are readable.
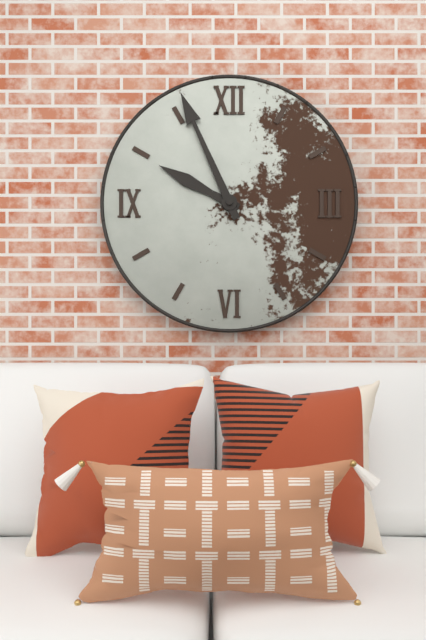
**9:56**
